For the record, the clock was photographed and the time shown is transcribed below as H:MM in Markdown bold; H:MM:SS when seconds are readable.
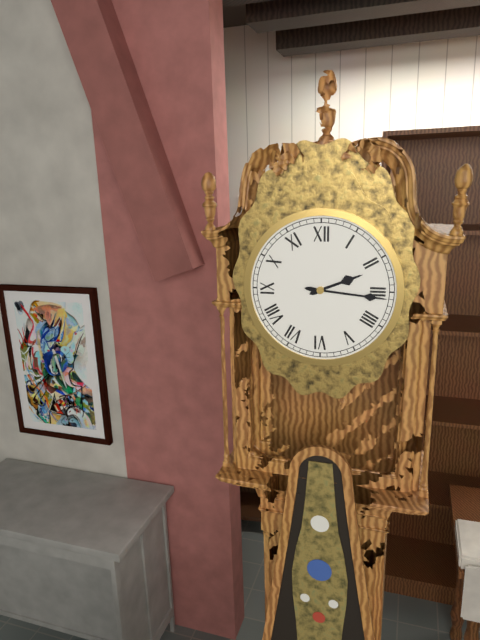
**2:16**
